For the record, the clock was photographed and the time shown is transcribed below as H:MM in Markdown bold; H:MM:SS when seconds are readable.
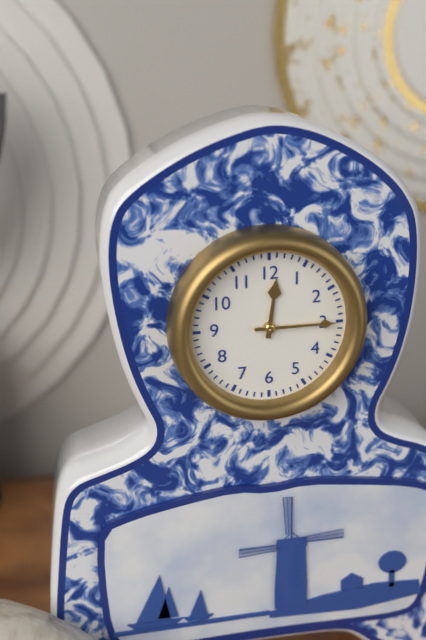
**12:15**
